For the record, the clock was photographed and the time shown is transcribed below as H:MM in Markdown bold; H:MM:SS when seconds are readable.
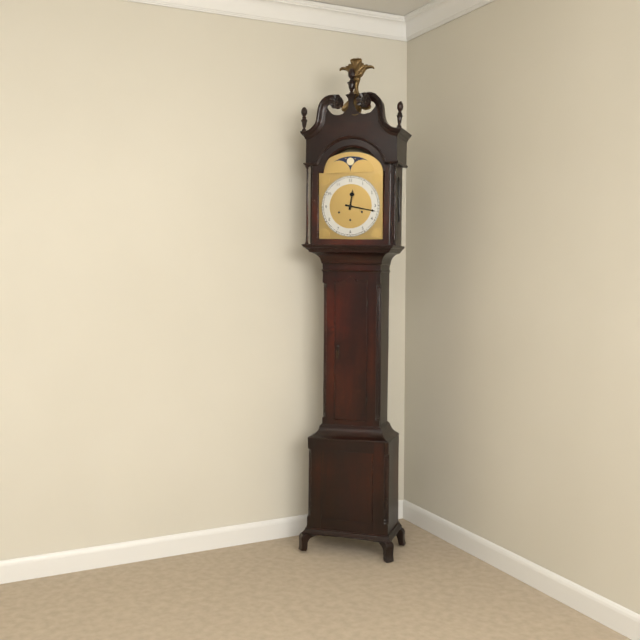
**12:17**
